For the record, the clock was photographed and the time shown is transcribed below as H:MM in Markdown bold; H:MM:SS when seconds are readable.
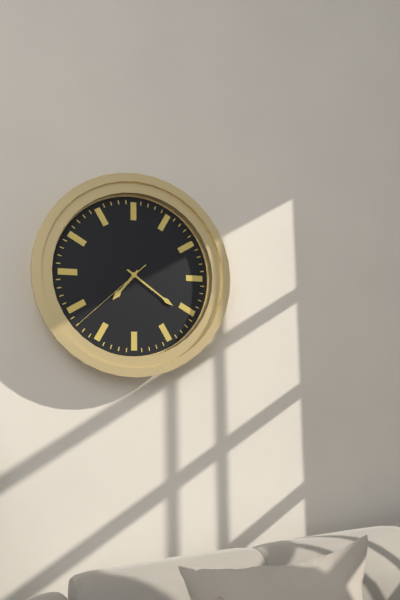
**7:21:38**
